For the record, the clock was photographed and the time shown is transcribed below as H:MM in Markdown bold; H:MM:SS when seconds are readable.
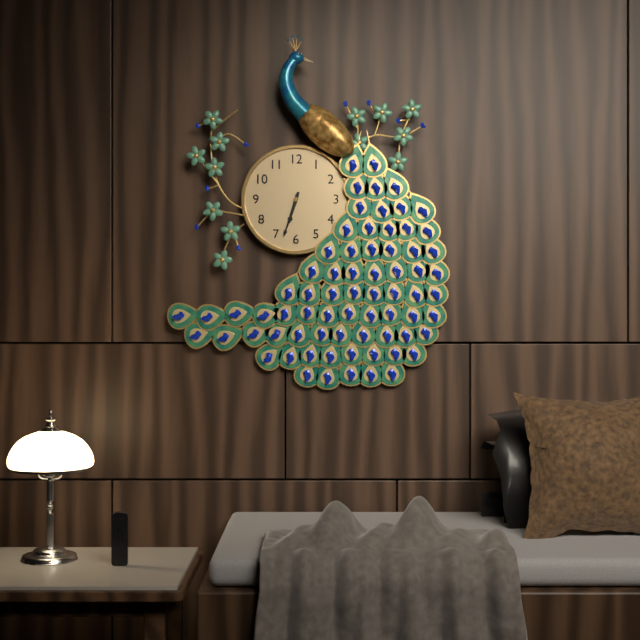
**6:33**
